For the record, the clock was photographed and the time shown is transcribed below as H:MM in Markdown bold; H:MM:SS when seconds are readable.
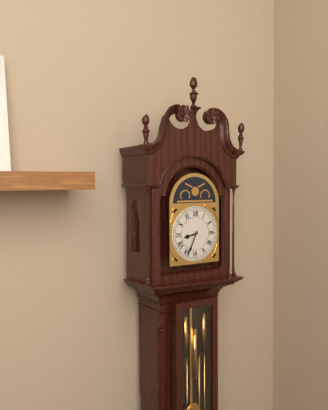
**8:34**
